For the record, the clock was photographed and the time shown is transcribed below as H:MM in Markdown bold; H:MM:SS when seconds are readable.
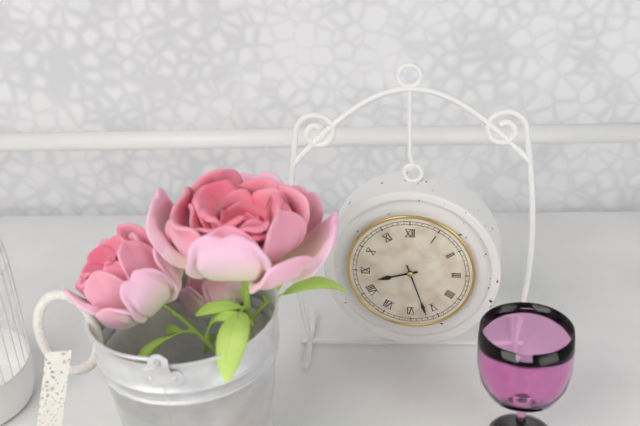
**8:27**
